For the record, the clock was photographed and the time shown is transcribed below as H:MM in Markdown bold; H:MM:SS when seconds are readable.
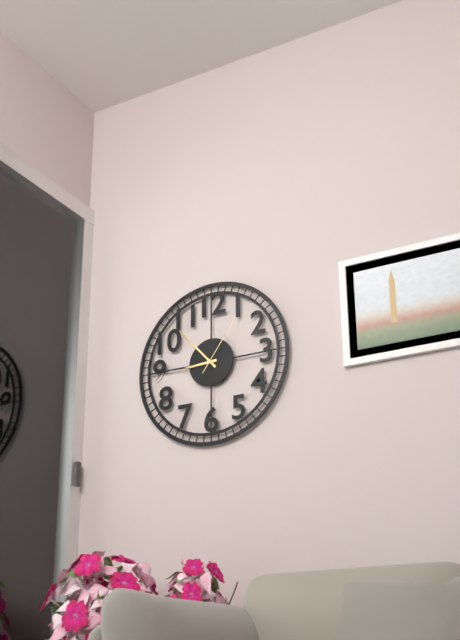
**8:53:06**
